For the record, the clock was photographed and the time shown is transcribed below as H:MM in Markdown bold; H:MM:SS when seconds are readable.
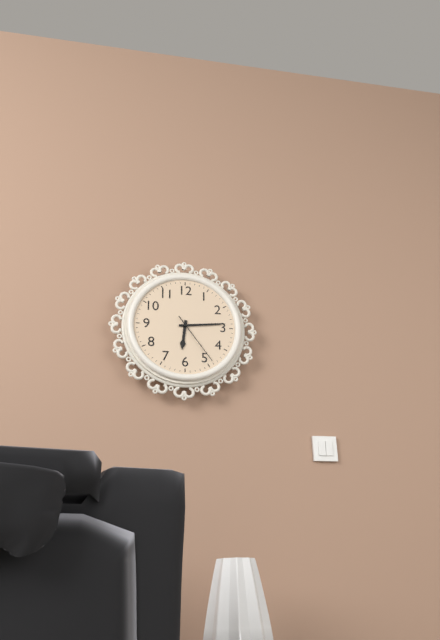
**6:14:24**
